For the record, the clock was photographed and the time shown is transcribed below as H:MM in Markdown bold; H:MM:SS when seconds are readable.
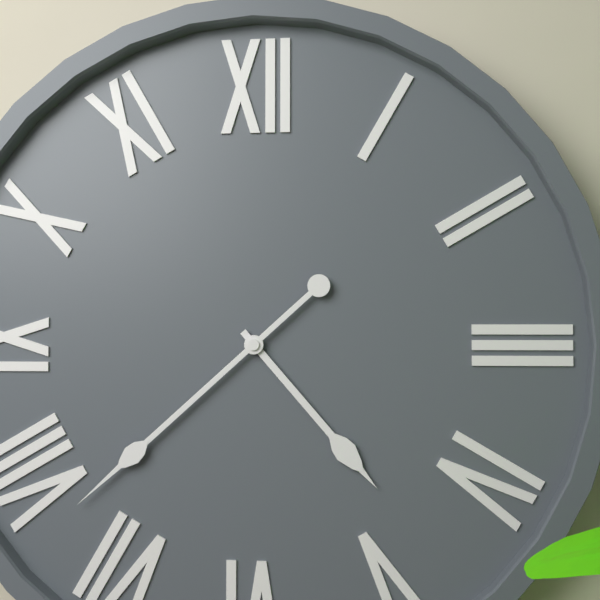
**4:38**
